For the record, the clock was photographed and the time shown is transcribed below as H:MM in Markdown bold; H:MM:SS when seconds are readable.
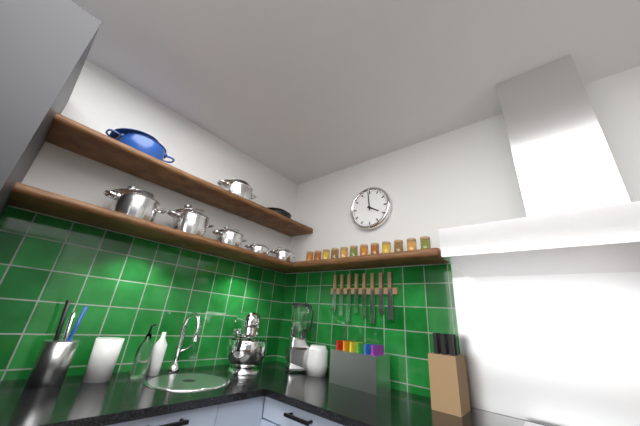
**3:59**
